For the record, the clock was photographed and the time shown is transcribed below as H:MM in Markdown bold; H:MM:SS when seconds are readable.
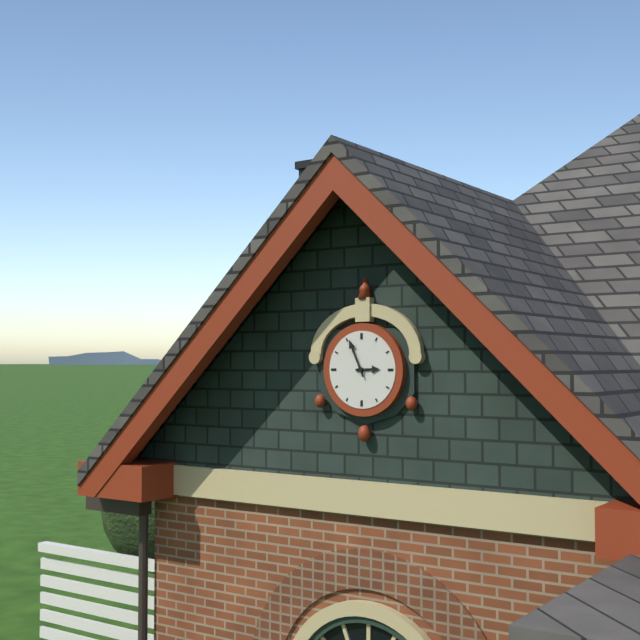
**2:56**
